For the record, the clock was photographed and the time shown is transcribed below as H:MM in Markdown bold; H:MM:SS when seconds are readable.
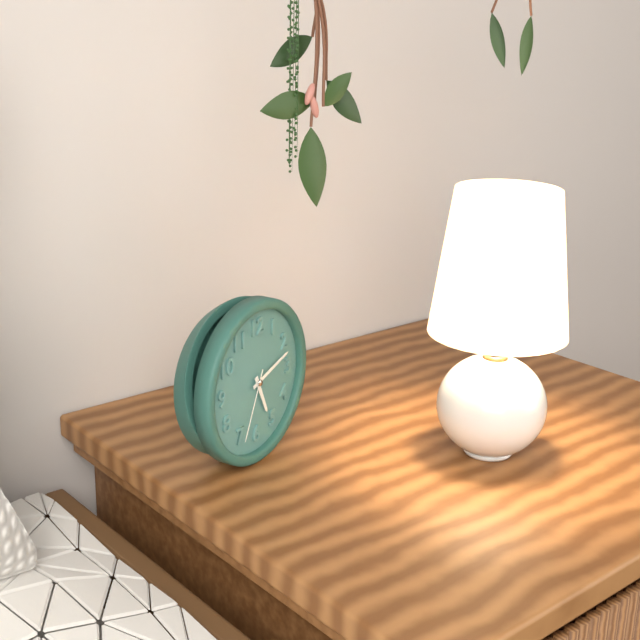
**5:12:34**
